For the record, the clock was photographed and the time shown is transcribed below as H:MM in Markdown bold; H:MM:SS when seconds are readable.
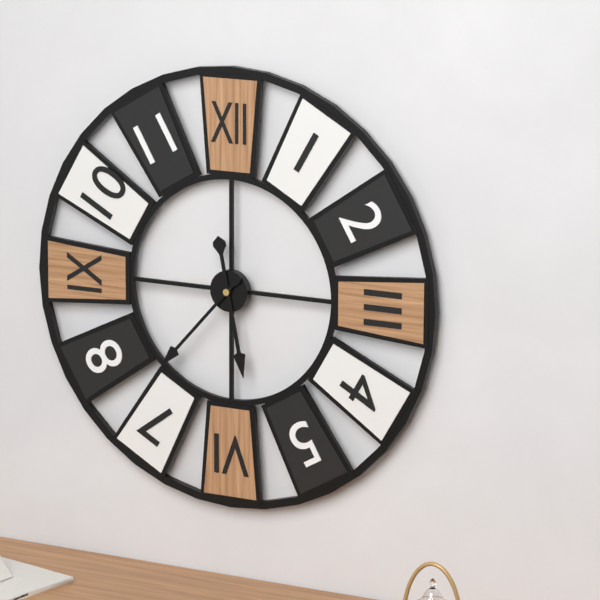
**5:37**
